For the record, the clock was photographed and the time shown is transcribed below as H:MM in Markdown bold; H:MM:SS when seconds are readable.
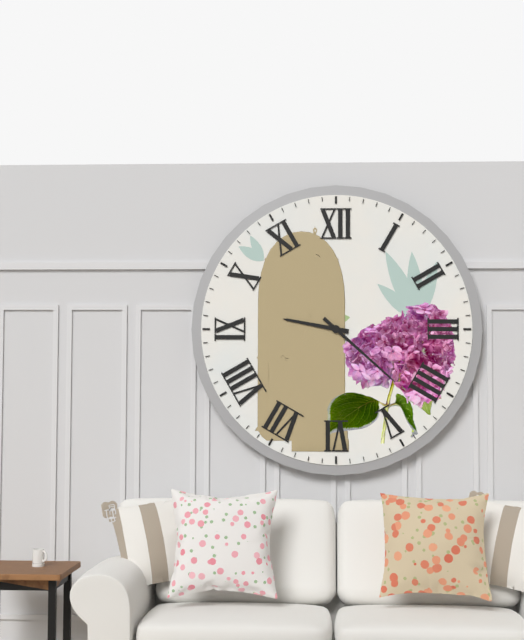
**9:22**
